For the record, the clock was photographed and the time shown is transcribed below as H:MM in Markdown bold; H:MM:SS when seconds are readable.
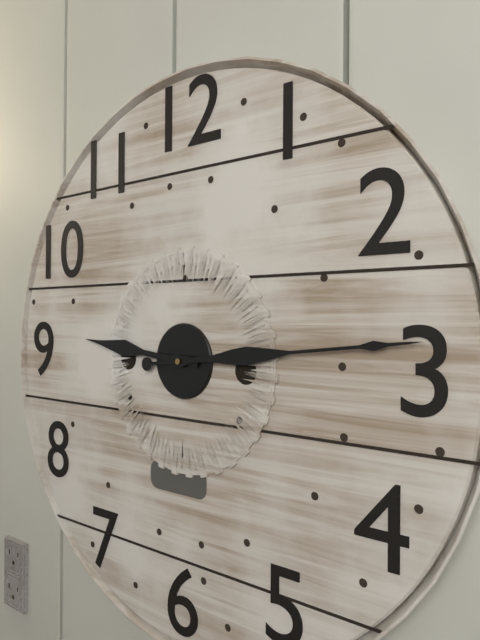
**9:14**
